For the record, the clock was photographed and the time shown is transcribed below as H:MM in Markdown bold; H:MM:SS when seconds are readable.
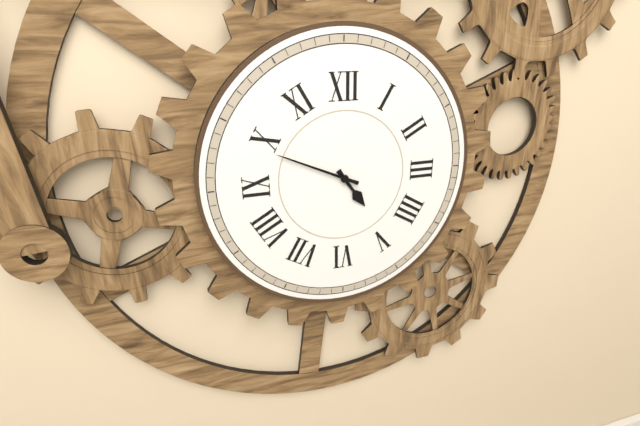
**4:49**
